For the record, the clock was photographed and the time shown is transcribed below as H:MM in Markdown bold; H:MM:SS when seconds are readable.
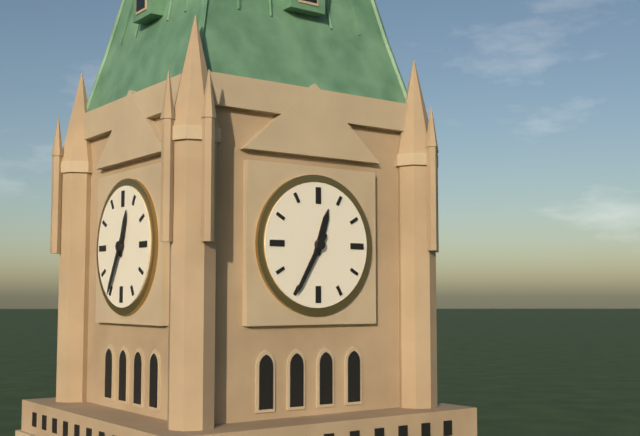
**12:35**
